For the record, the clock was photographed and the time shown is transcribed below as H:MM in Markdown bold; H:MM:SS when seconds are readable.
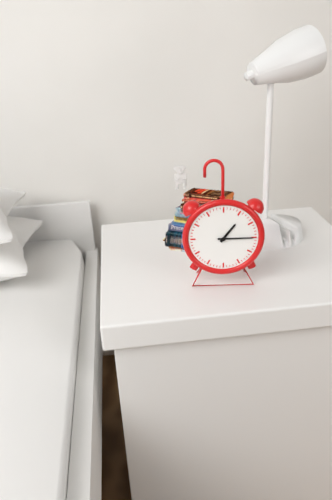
**1:15**
